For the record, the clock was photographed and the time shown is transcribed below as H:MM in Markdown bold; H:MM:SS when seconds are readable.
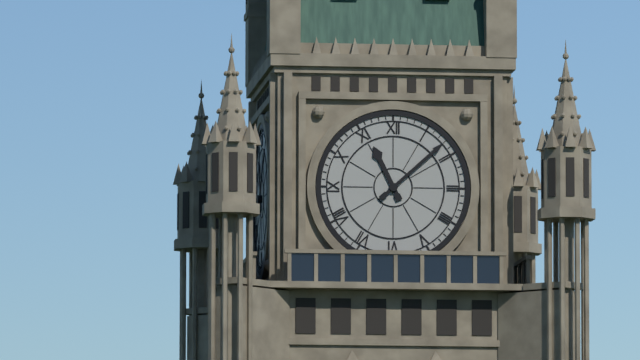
**11:08**
